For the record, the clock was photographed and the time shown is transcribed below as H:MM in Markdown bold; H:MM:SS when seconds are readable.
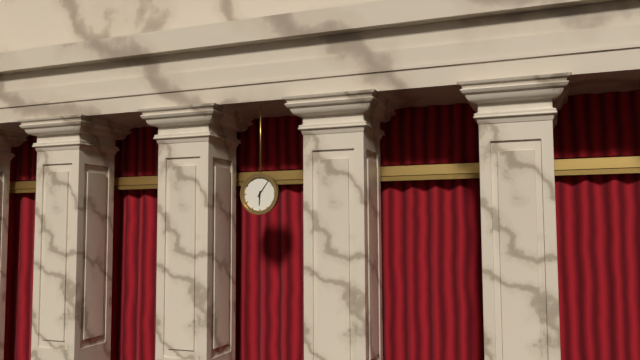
**6:06**
